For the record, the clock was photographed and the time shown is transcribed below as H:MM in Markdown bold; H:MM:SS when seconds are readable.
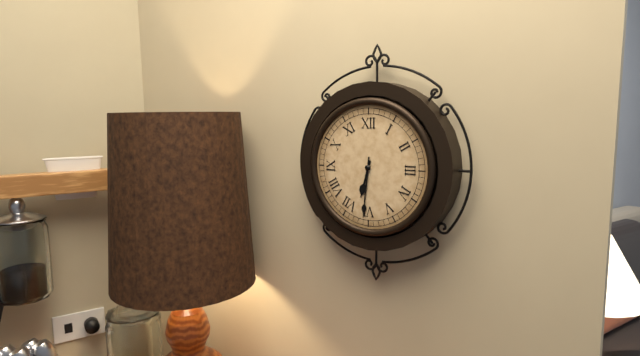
**6:31**
